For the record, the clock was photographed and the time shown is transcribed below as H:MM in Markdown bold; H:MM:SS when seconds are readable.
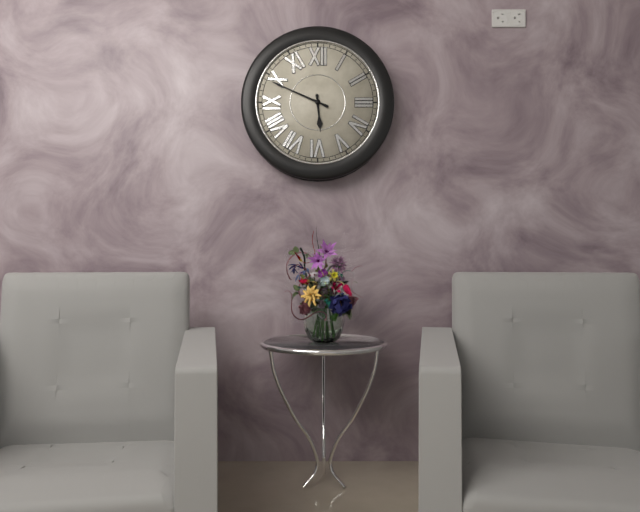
**5:49**
